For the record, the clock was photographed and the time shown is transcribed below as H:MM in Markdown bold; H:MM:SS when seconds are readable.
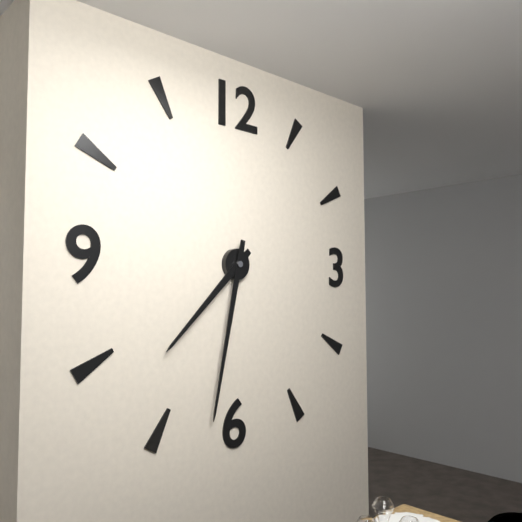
**7:32**
